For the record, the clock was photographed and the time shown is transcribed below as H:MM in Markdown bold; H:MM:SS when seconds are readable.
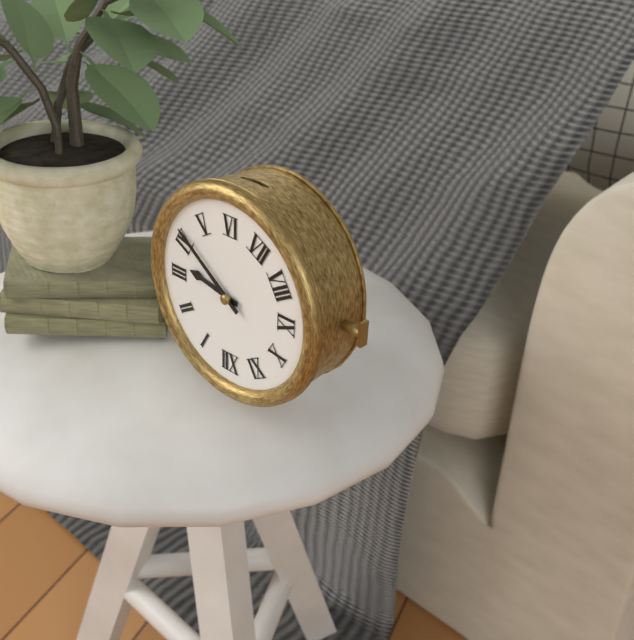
**3:21**
